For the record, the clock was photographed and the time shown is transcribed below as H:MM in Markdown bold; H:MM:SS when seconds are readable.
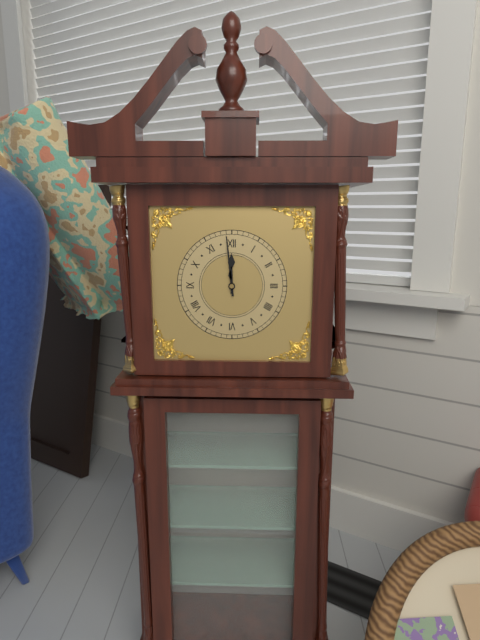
**11:59**
